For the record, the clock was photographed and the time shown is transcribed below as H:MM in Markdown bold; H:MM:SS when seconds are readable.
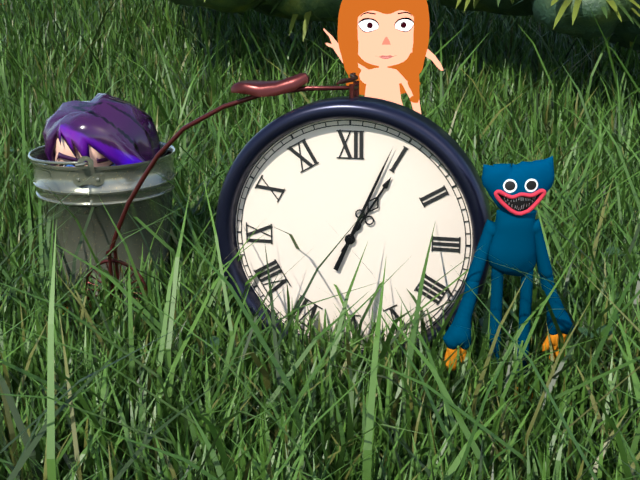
**1:04**
